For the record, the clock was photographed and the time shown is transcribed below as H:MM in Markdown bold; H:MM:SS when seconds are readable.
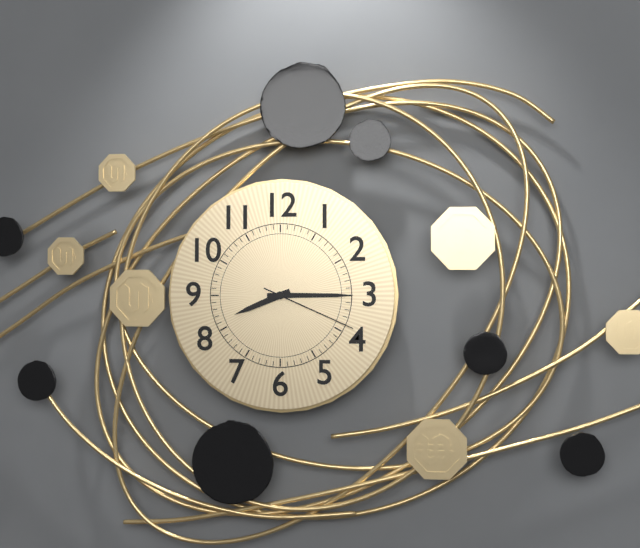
**8:15:19**
